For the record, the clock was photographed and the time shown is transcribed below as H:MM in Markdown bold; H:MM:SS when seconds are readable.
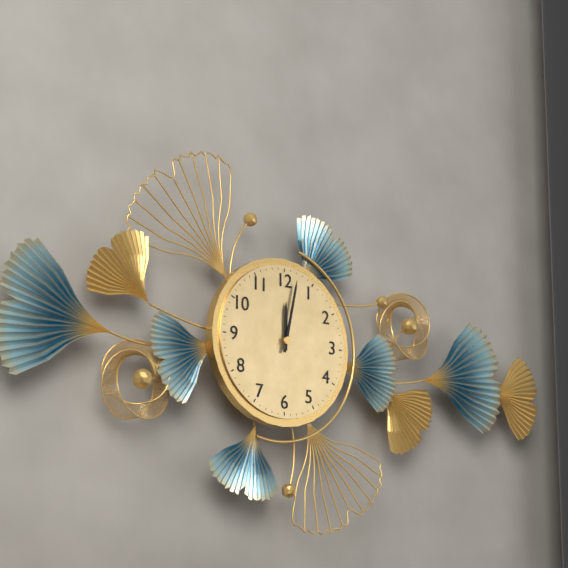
**12:02**
